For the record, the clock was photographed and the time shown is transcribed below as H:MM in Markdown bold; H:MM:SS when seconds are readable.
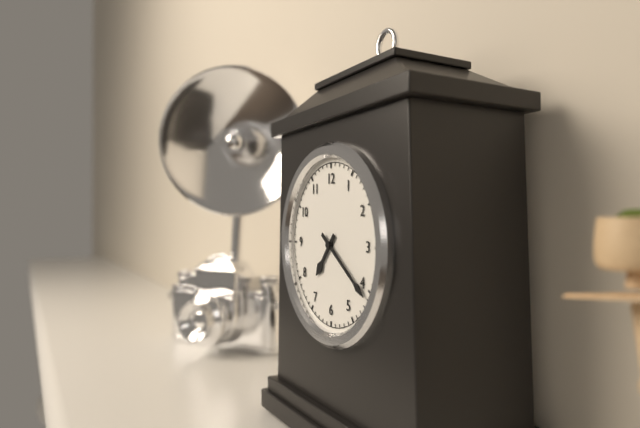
**7:21**
